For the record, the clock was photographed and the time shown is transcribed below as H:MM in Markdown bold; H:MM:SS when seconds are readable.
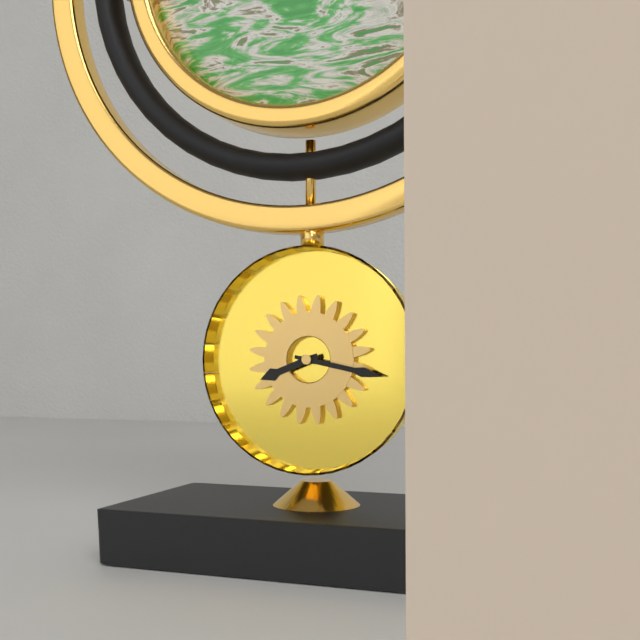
**8:17**
